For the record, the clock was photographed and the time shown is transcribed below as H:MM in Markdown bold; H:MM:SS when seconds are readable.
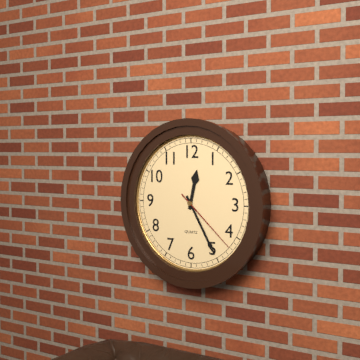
**12:25:22**
